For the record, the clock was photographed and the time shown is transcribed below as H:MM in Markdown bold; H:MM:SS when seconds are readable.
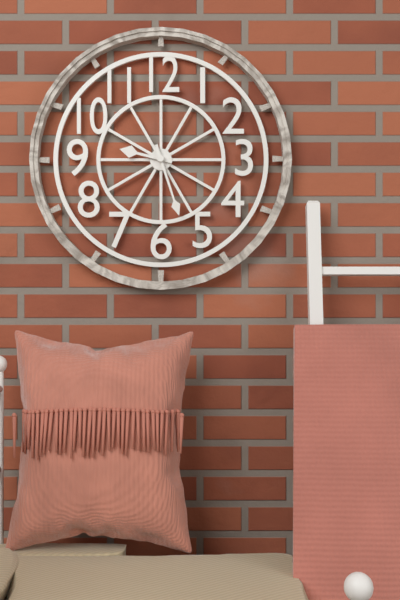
**9:27**
